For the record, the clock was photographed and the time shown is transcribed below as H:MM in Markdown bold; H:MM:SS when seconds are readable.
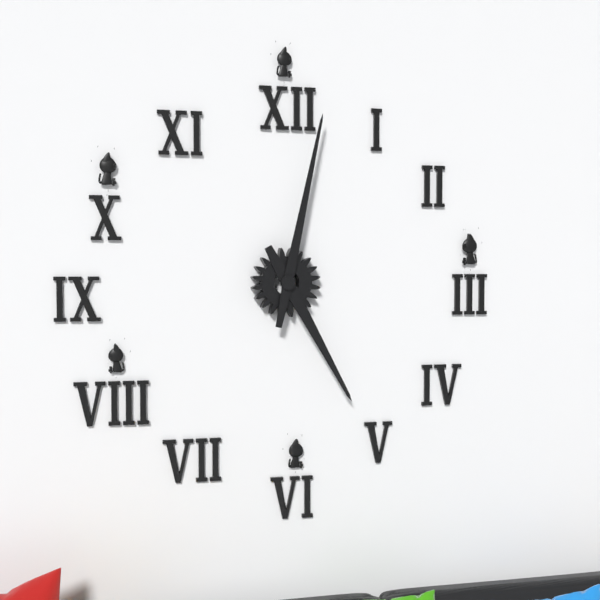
**5:02**
